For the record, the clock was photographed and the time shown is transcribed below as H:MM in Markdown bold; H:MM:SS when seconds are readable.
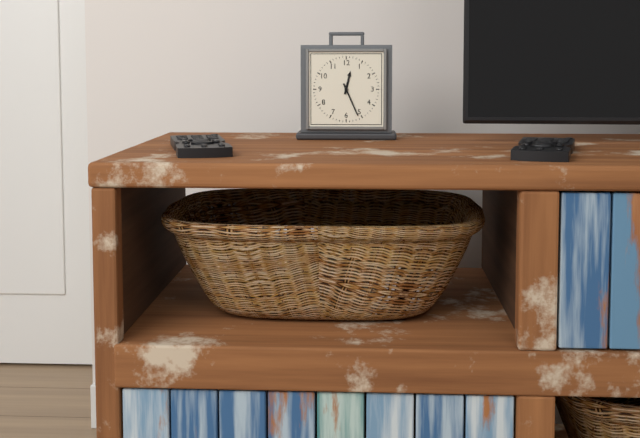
**12:26**
